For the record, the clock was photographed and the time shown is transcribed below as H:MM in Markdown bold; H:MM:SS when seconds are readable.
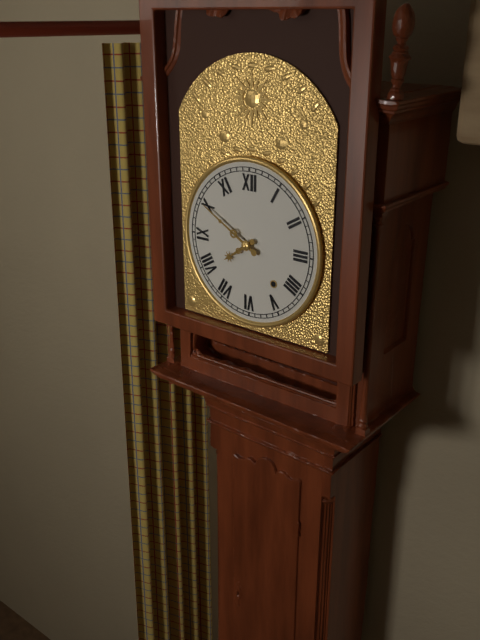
**7:50**
